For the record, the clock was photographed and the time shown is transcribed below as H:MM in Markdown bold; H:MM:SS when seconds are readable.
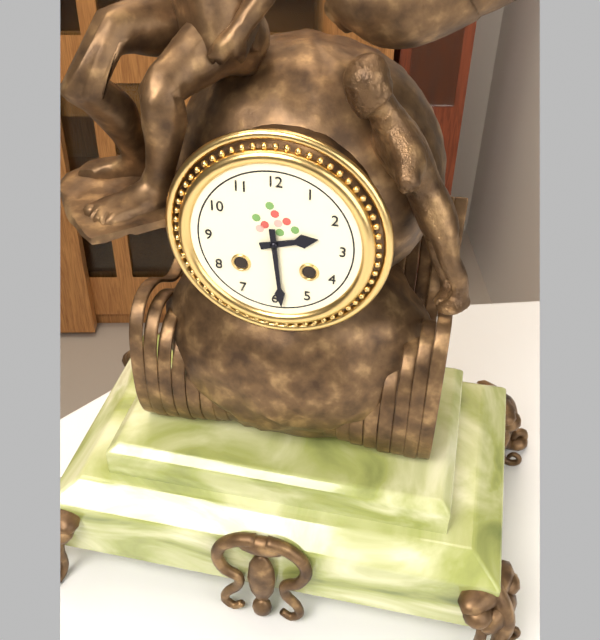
**2:29**
